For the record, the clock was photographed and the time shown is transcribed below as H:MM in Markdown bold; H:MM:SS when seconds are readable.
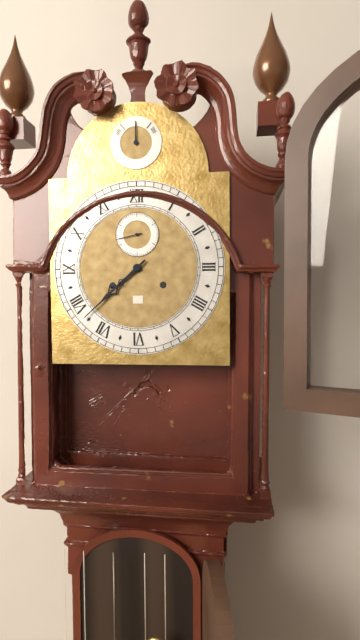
**7:38**
